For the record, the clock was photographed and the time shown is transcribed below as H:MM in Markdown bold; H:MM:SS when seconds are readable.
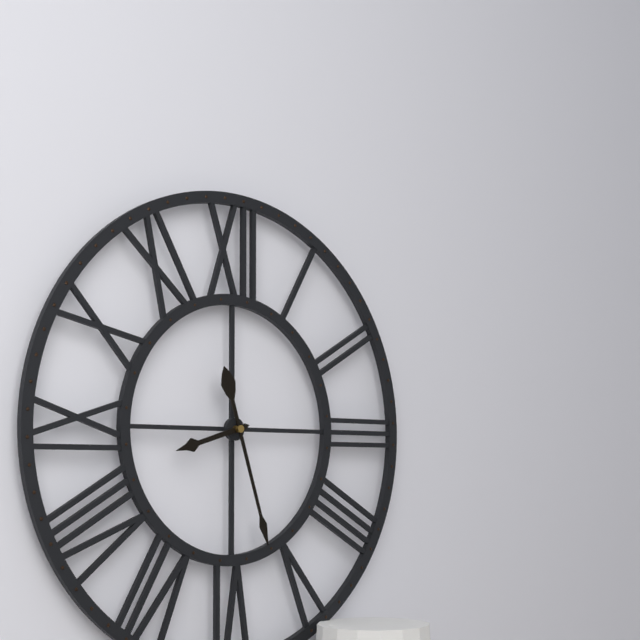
**8:27**
